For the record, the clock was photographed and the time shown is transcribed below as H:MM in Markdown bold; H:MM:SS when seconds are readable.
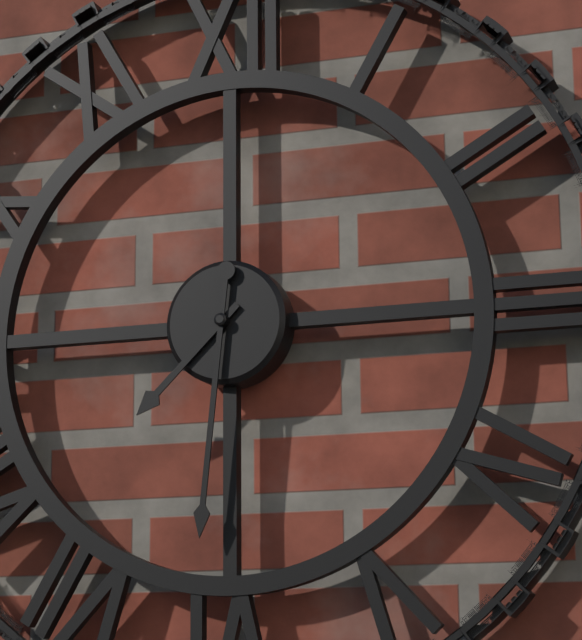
**7:31**
